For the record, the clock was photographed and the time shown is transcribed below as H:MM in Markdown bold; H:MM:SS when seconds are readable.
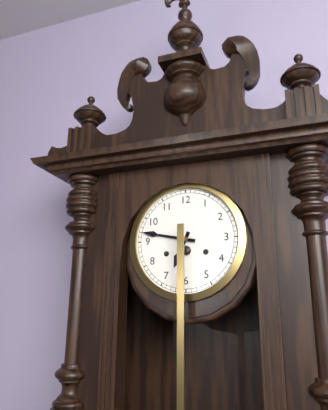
**6:47**
